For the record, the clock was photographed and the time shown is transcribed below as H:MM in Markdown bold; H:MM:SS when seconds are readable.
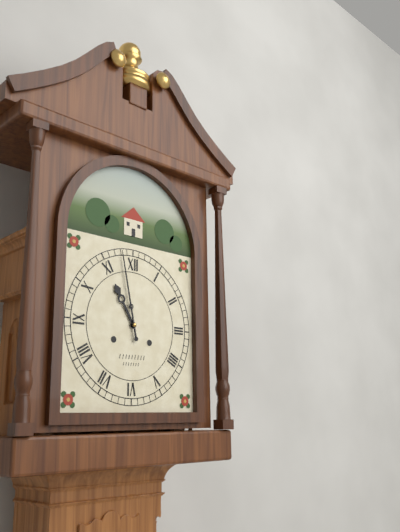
**10:58**
